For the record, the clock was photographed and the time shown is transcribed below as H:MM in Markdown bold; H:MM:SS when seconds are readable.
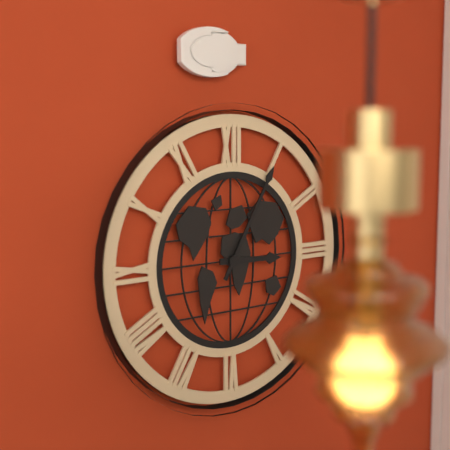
**3:05**
